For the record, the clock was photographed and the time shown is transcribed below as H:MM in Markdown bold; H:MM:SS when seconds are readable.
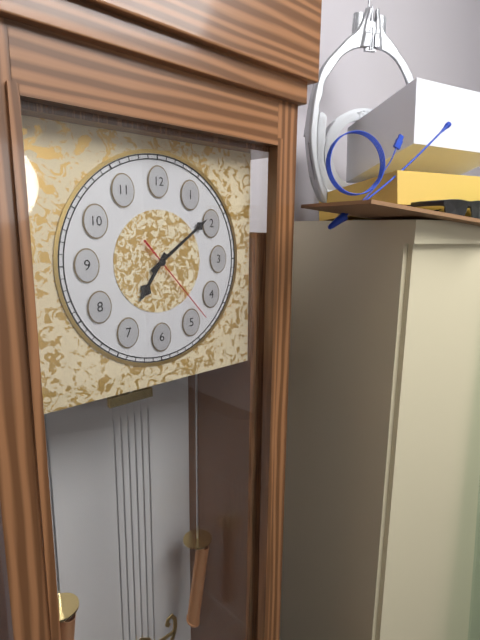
**7:09:23**
